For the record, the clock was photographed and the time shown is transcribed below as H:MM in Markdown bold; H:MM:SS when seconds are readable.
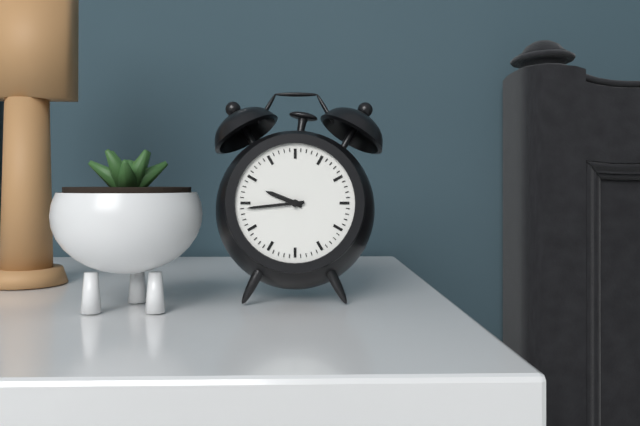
**9:44**
